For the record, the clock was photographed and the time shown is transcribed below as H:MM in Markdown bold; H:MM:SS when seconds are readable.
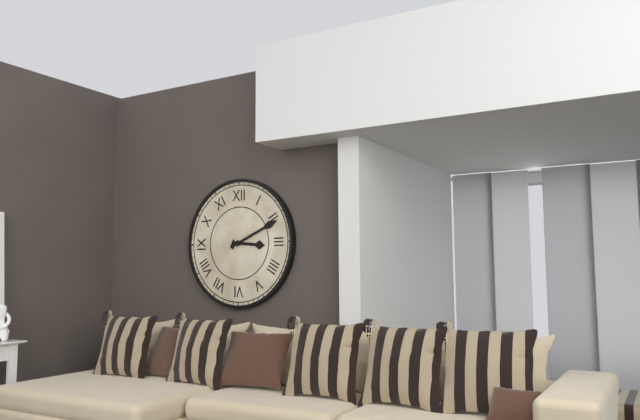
**3:11**
